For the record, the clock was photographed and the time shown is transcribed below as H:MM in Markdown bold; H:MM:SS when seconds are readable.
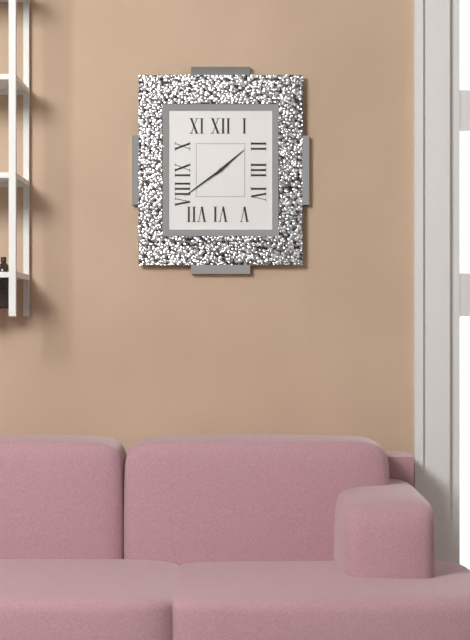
**1:39**
